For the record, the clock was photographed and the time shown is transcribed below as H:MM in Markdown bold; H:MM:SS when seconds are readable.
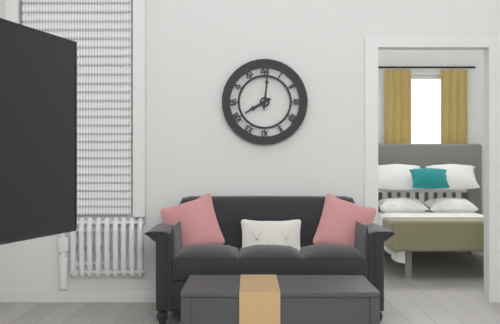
**8:01**
